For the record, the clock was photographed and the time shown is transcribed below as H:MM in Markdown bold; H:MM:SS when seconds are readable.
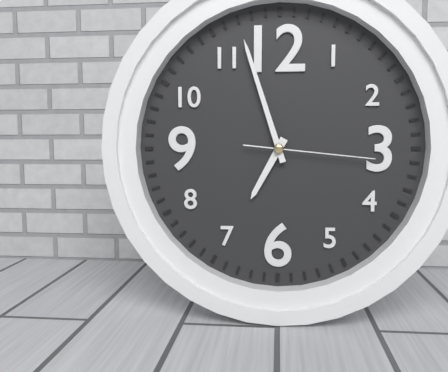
**6:57:16**
